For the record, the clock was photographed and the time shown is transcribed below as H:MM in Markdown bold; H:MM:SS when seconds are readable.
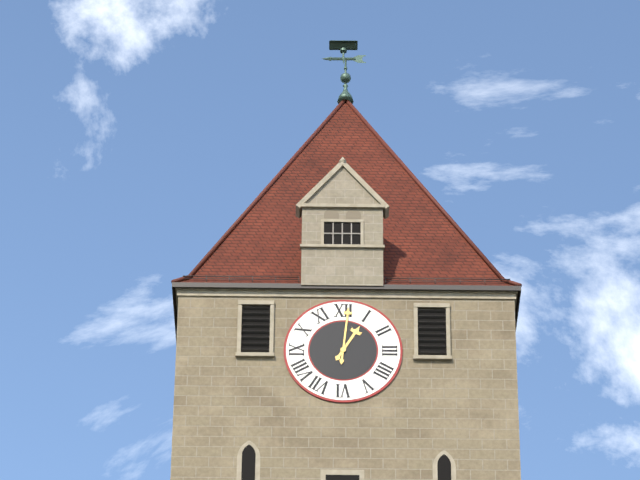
**1:01**
